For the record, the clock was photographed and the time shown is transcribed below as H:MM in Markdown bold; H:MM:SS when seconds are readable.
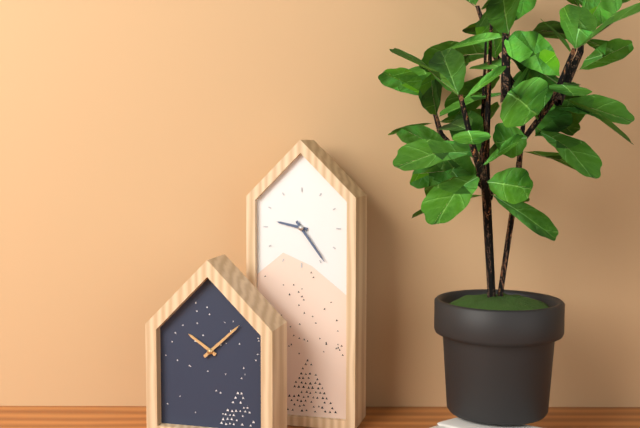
**9:24**
